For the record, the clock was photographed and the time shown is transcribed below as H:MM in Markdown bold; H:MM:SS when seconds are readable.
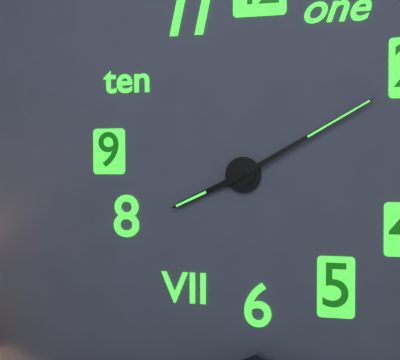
**8:10**
